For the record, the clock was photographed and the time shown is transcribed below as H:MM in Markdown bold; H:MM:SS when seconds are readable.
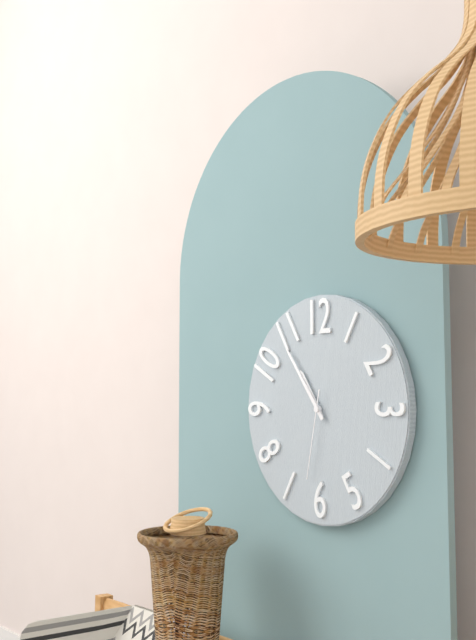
**10:54:32**
